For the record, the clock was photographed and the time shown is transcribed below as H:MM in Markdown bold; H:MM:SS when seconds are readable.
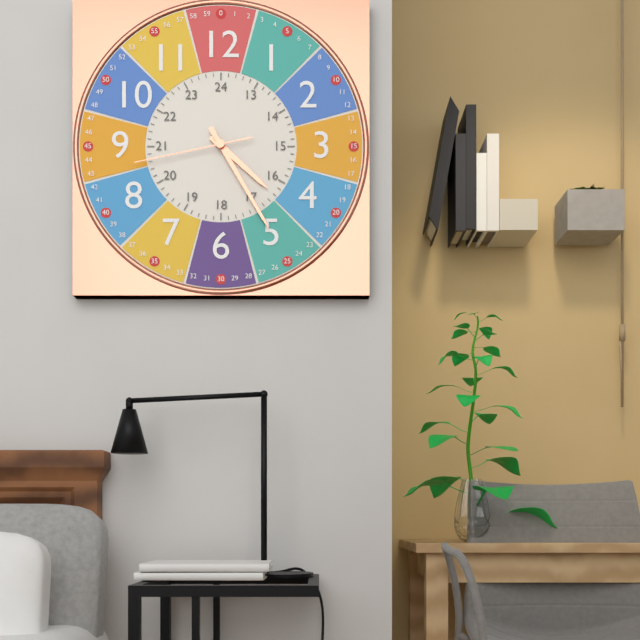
**4:25:43**
